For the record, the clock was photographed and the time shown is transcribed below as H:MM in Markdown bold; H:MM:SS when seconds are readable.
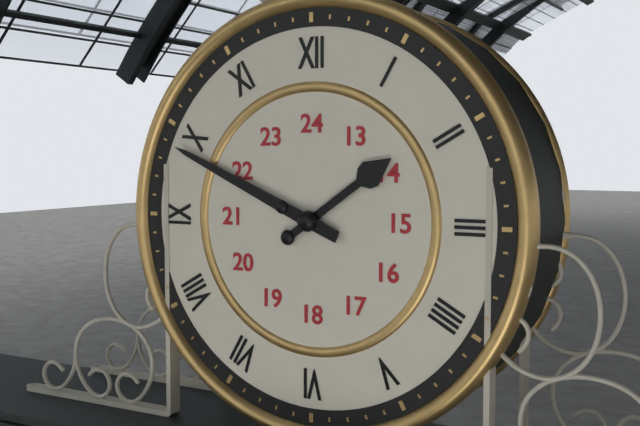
**1:49**
